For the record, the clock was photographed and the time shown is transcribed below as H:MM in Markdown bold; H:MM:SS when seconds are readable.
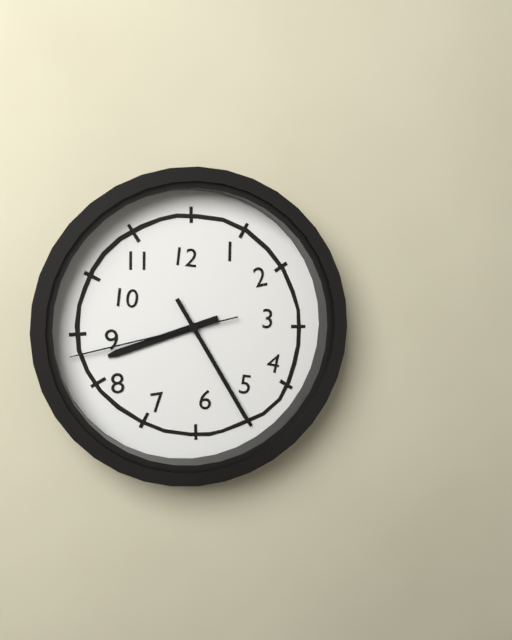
**8:25:43**
